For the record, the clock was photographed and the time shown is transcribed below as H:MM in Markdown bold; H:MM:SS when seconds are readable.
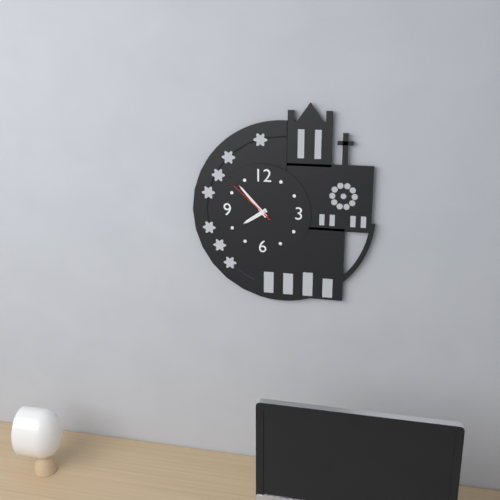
**7:53**
